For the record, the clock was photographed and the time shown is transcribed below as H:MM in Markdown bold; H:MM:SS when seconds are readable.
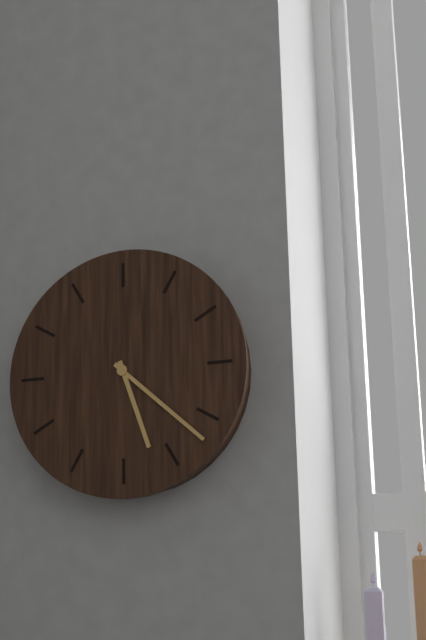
**5:22**
